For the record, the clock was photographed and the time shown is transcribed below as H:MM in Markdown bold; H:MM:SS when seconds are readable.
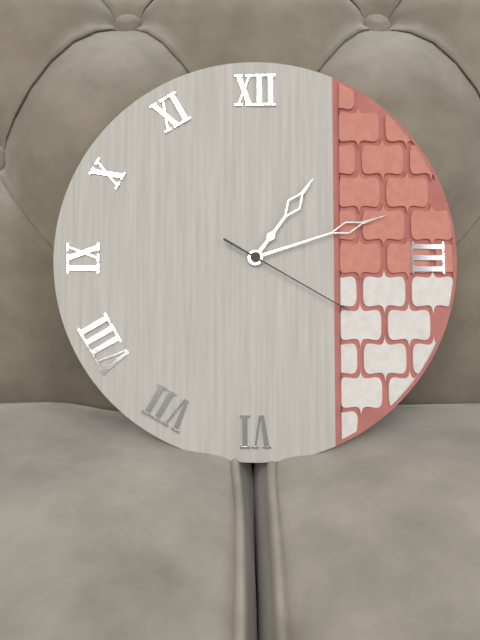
**1:12:20**
